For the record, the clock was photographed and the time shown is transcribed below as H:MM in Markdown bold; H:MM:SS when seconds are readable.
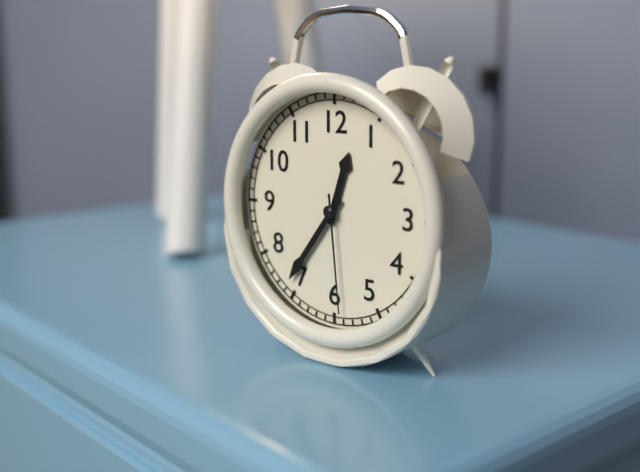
**12:36:29**
